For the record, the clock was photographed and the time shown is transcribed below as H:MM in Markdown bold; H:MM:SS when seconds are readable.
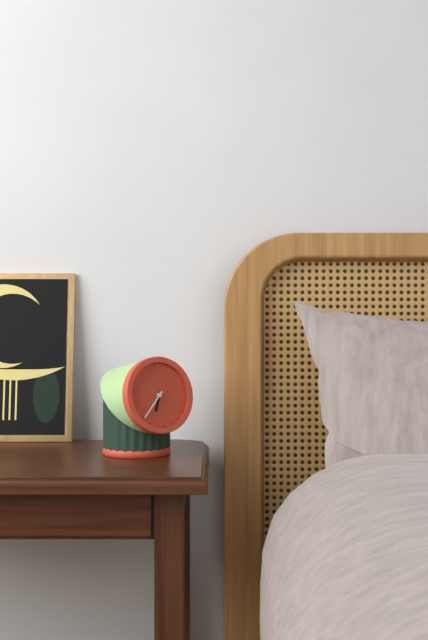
**6:37**
